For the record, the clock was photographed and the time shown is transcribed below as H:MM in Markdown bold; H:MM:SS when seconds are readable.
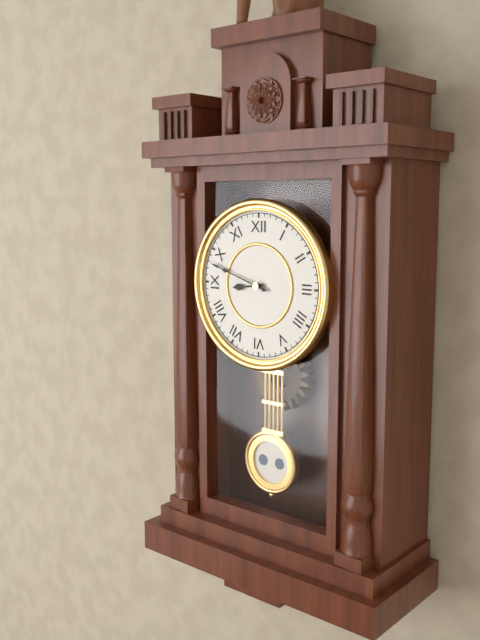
**8:48**
